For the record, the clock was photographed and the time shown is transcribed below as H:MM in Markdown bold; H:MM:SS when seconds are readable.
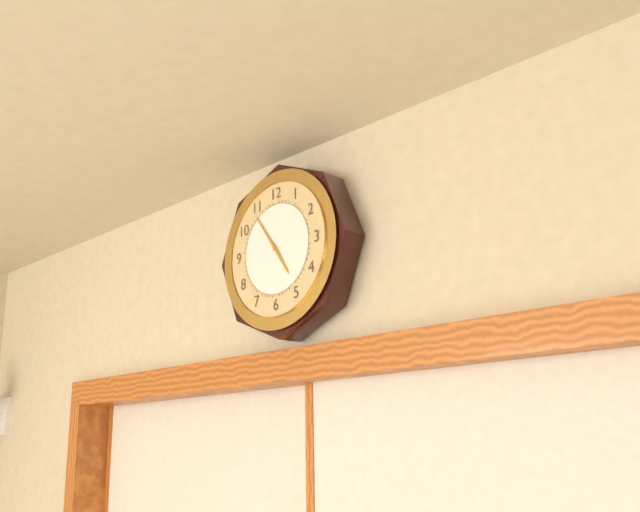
**4:54**
